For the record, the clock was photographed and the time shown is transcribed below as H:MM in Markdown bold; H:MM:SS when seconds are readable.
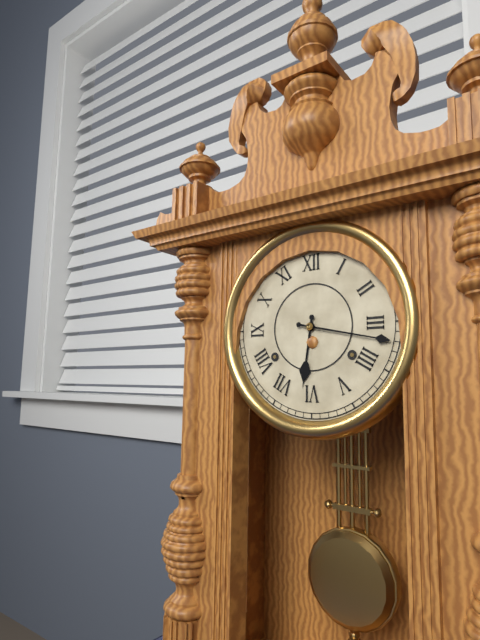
**6:17**
